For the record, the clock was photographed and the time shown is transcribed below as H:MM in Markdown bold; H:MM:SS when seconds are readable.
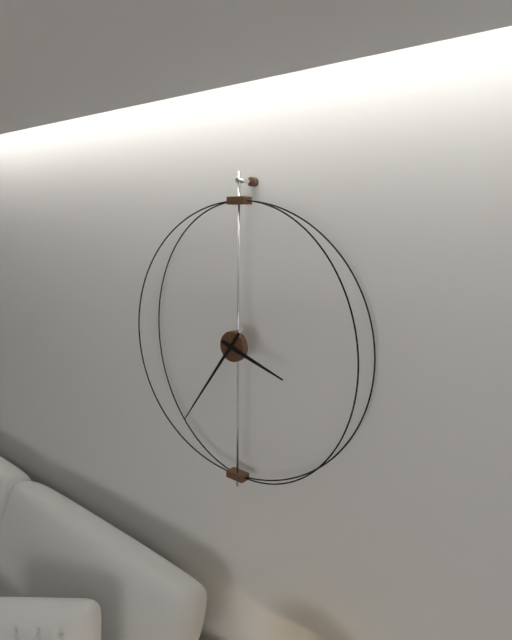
**3:36**
